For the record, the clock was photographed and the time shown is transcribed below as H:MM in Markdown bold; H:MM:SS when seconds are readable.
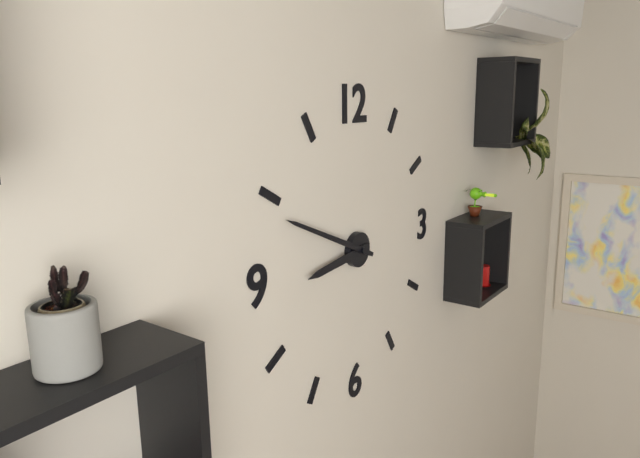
**8:49**
